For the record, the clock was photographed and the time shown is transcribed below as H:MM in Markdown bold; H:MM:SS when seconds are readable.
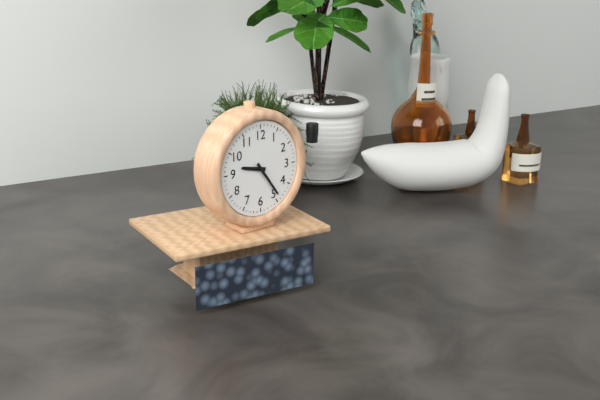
**9:24**
